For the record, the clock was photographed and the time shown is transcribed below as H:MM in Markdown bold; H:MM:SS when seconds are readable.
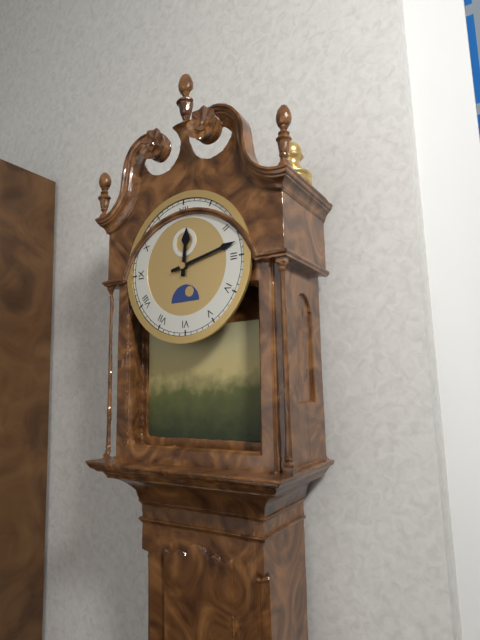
**12:13**
